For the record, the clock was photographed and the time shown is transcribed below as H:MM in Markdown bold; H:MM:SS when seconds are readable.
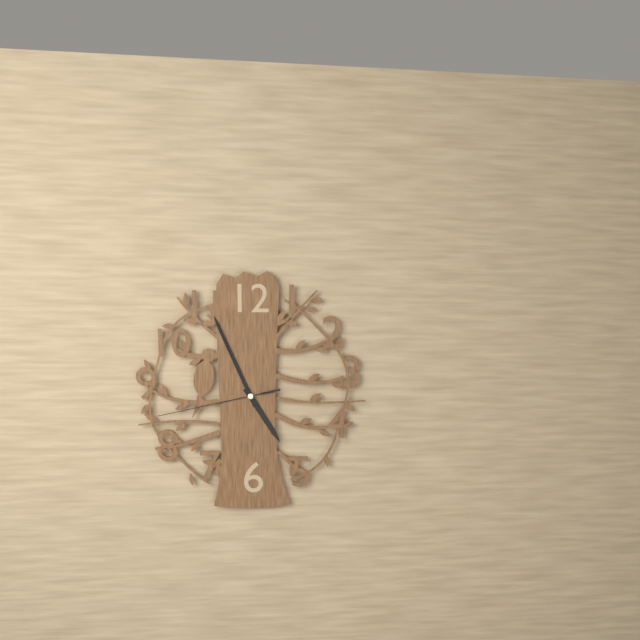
**4:56:43**
